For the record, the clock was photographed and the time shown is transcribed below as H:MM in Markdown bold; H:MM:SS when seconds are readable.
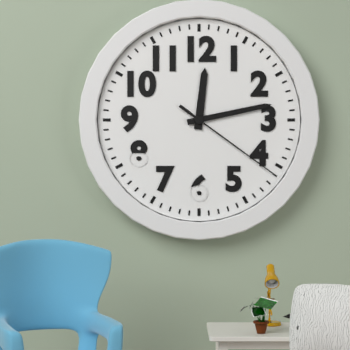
**12:13:21**
